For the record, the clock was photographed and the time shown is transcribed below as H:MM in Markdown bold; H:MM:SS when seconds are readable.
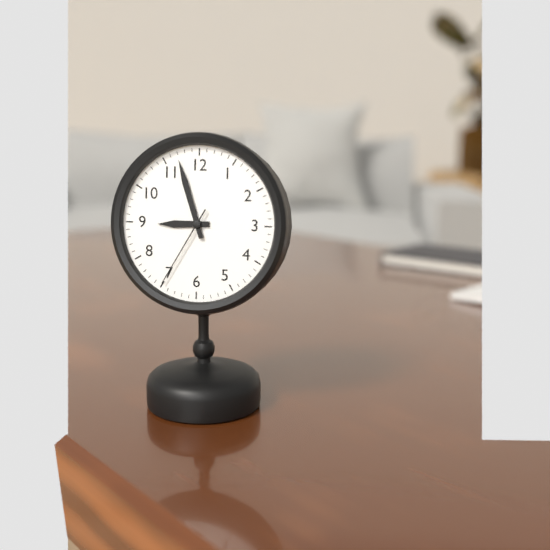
**8:57:35**
